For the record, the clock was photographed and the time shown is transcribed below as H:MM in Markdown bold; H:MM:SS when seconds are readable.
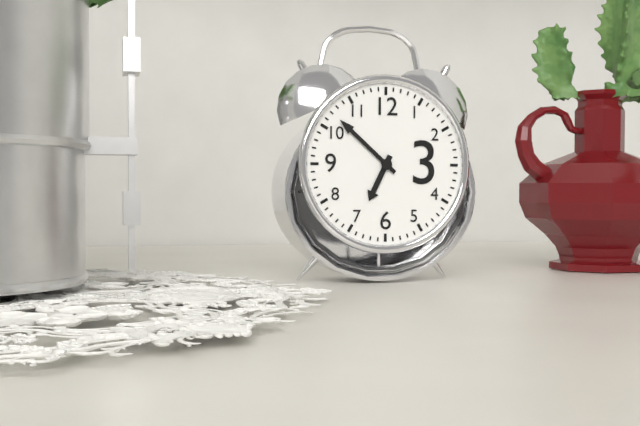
**6:52**
